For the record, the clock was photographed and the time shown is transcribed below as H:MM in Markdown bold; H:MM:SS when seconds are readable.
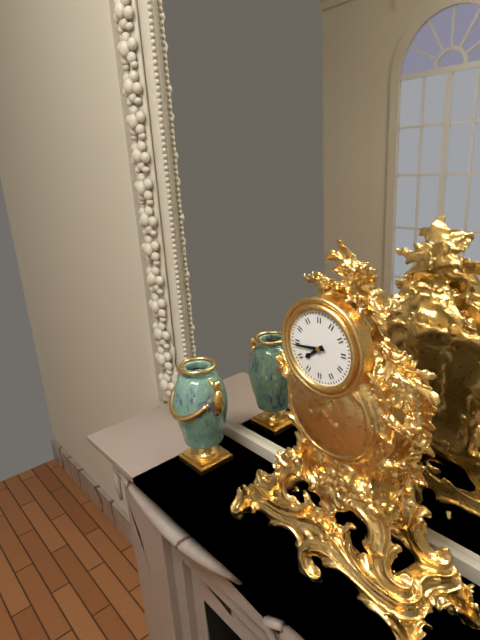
**7:44**
